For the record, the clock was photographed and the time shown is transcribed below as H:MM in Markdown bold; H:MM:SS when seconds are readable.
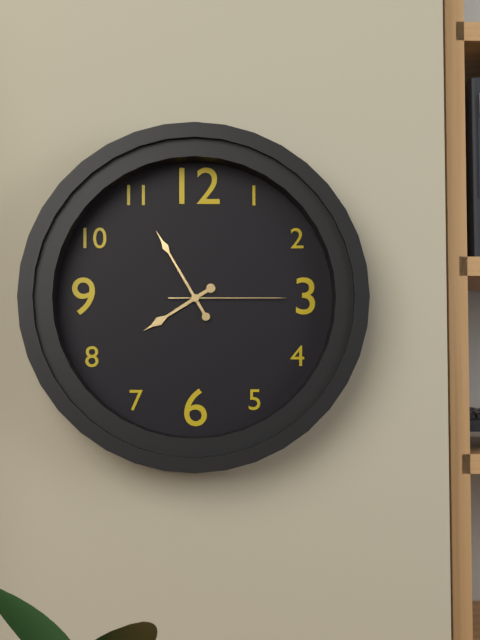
**7:55:15**
